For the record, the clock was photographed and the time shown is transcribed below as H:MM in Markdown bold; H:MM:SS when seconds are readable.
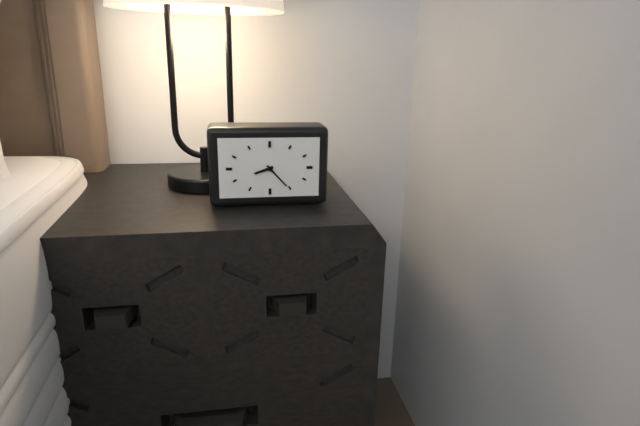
**8:23**
